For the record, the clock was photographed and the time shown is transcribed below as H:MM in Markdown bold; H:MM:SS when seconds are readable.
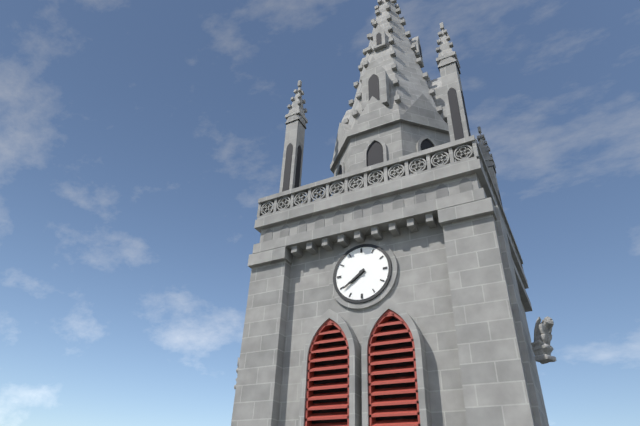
**7:39**
